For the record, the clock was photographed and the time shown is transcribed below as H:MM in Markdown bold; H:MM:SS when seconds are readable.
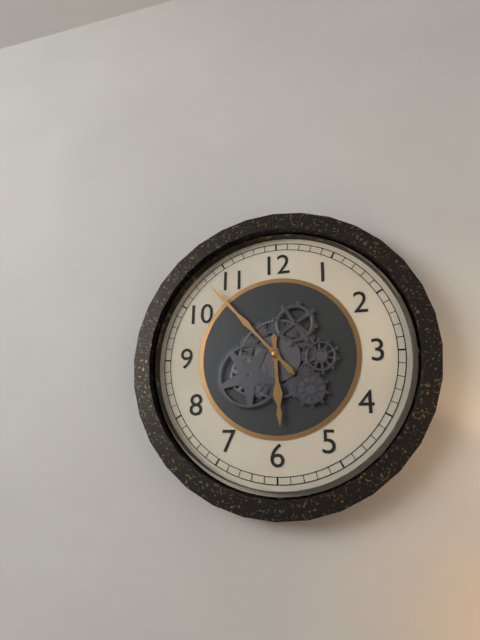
**5:53**
